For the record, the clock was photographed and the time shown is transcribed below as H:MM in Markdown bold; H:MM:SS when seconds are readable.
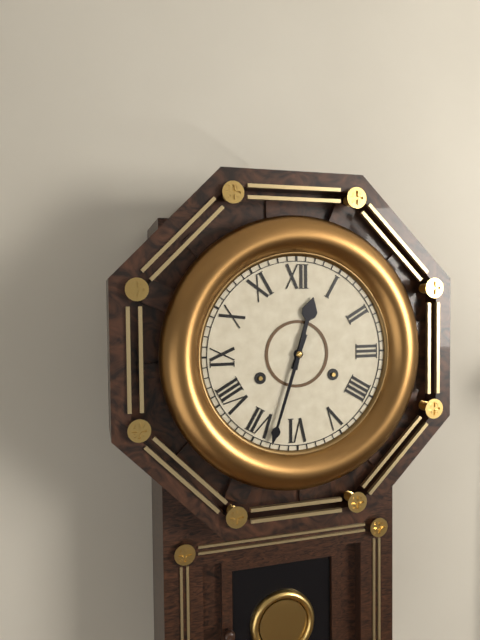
**12:33**
